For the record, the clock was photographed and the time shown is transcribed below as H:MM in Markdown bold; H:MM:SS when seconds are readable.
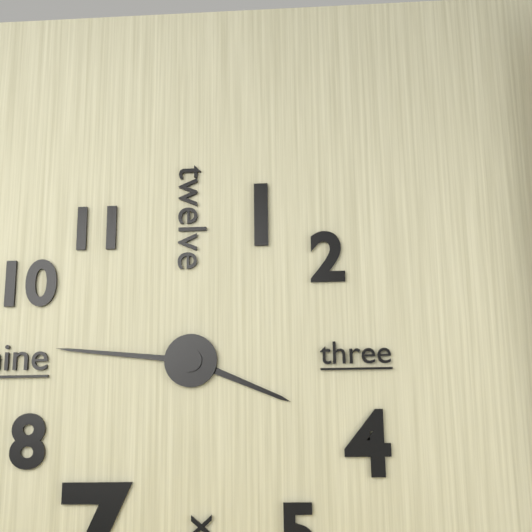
**3:46**
